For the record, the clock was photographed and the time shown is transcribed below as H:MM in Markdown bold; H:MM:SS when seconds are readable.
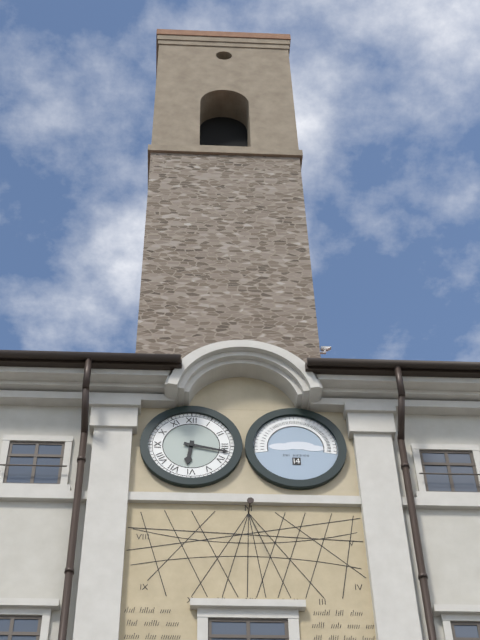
**6:17**
